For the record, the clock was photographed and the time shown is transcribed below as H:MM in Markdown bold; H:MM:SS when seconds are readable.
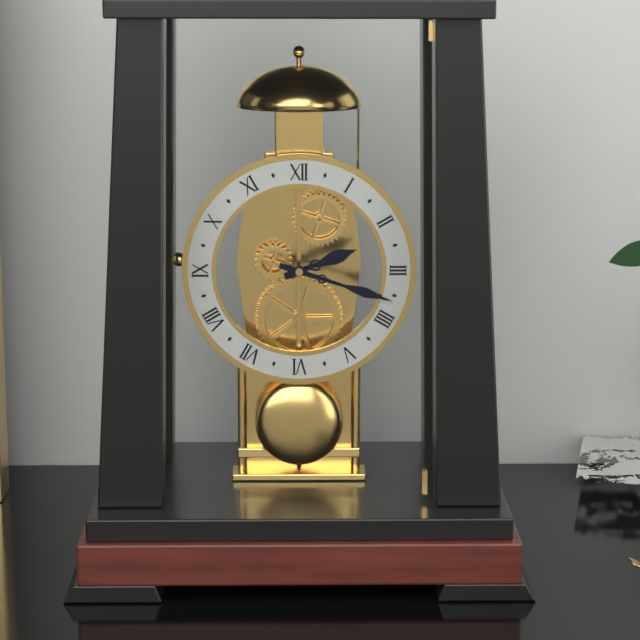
**2:18**
